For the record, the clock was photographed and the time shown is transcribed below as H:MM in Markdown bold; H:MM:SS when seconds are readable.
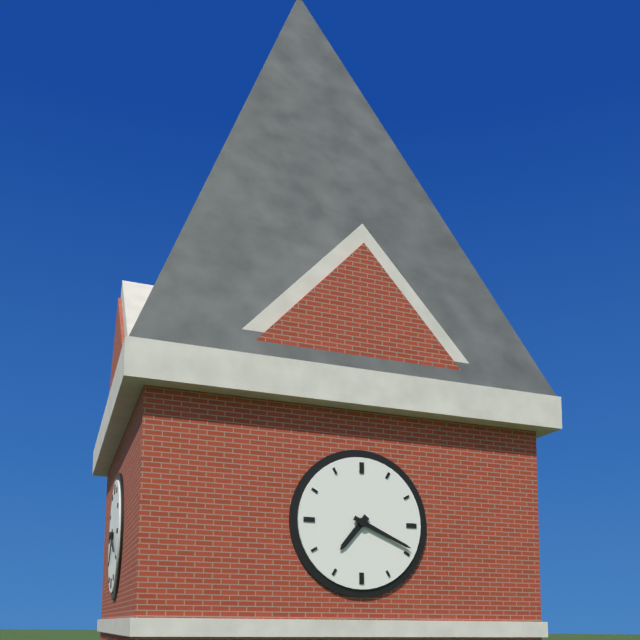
**7:19**
